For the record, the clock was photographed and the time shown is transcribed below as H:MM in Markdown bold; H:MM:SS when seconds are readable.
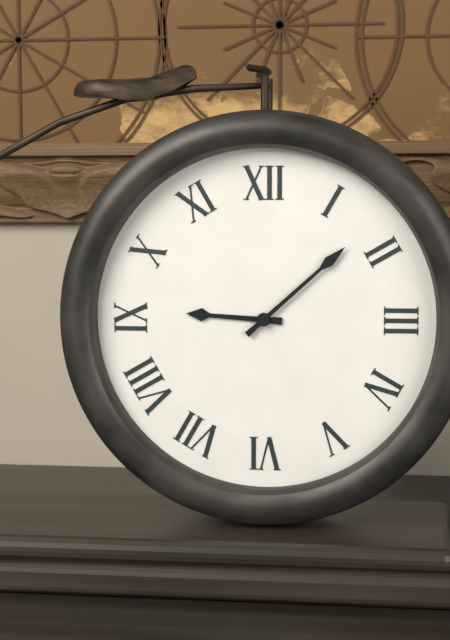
**9:08**
